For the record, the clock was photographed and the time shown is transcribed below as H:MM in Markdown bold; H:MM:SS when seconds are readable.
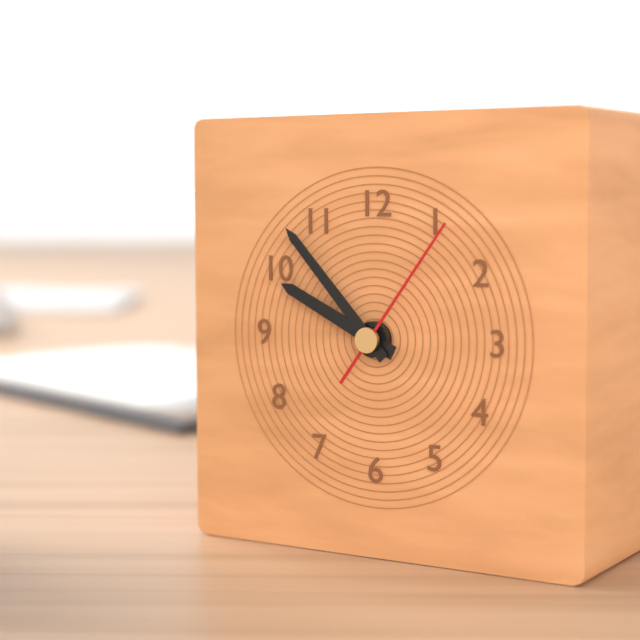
**9:53:06**
